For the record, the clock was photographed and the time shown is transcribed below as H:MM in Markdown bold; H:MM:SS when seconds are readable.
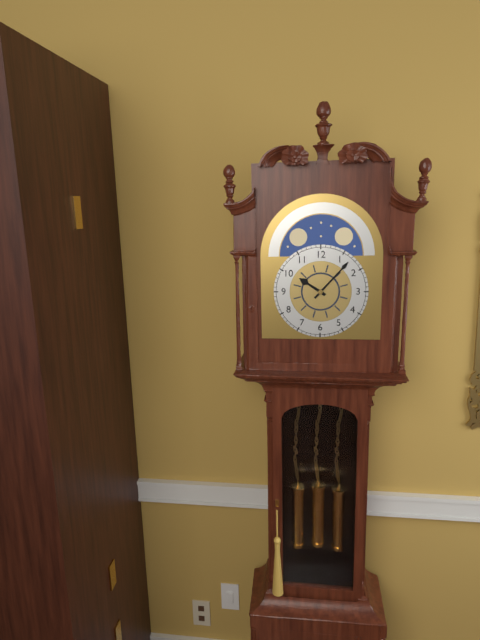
**10:07**
